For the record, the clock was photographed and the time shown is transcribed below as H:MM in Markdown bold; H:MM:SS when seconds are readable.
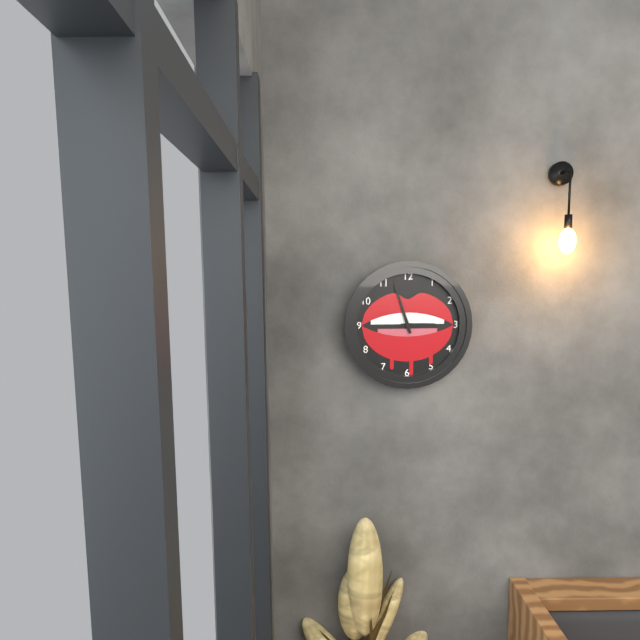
**2:57**
